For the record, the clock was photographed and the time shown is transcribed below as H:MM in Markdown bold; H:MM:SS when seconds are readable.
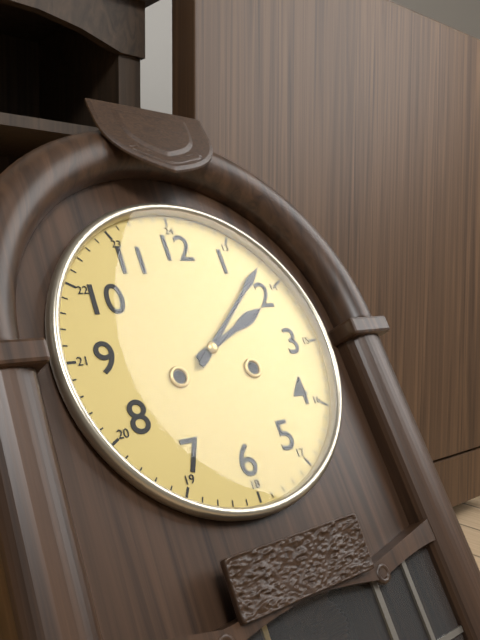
**2:08**
